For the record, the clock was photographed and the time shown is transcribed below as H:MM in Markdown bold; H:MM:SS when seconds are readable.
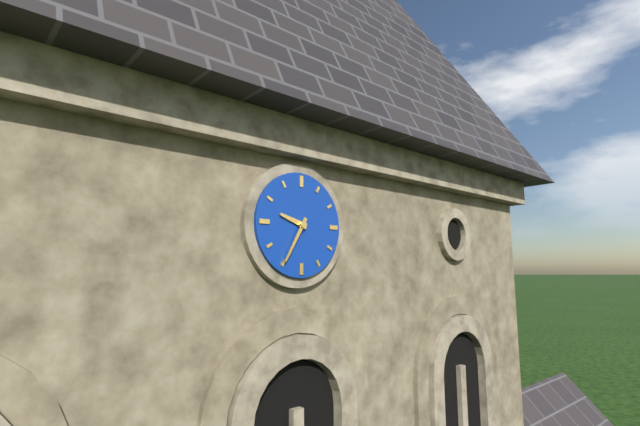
**9:35**
